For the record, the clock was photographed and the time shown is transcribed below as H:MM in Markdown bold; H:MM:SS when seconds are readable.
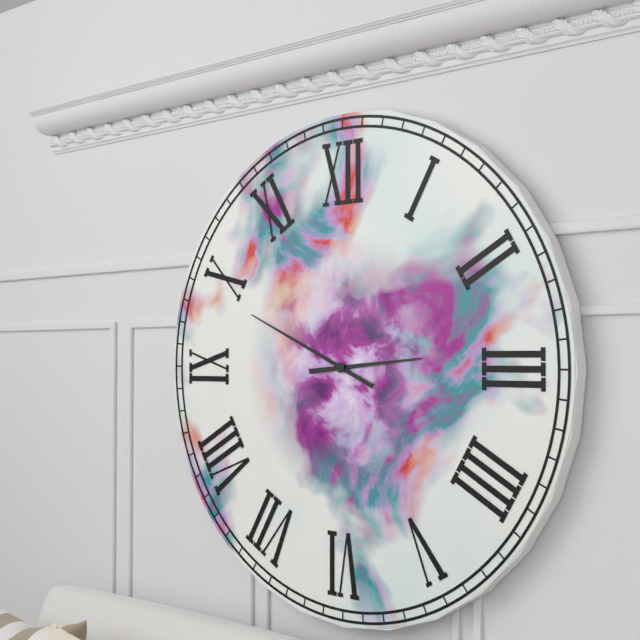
**2:49**
